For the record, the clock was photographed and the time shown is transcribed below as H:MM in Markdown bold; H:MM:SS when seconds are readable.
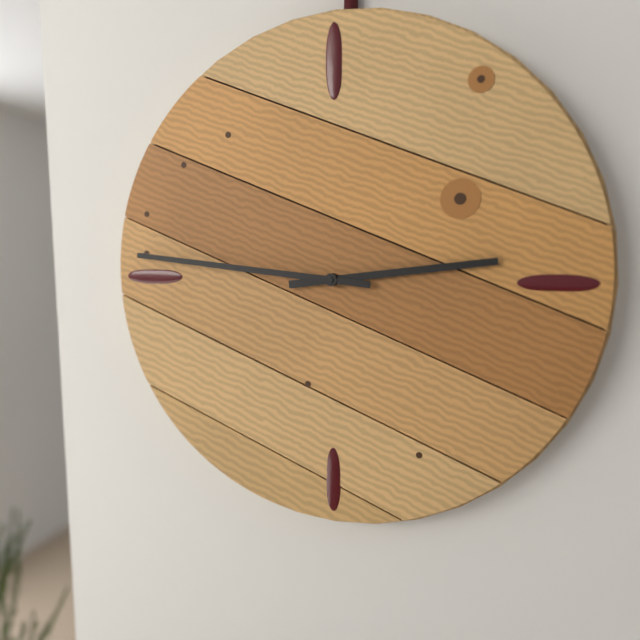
**2:46**
